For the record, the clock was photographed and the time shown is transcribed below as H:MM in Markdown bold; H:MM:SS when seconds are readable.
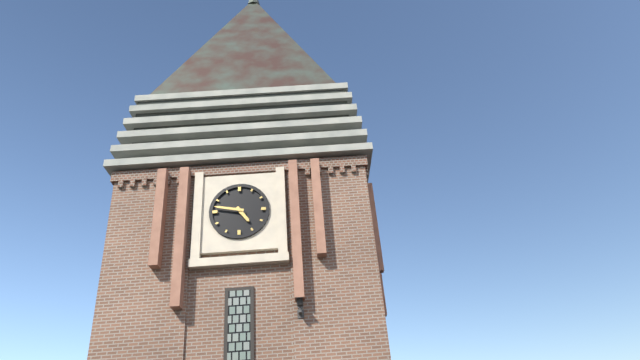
**4:47**
